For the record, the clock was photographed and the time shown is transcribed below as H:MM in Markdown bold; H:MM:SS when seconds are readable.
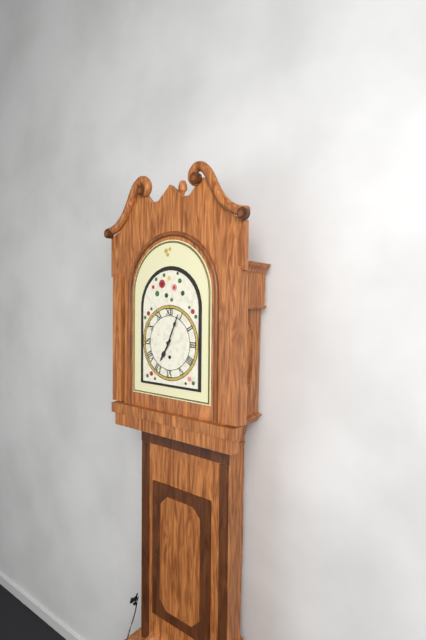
**7:04**
